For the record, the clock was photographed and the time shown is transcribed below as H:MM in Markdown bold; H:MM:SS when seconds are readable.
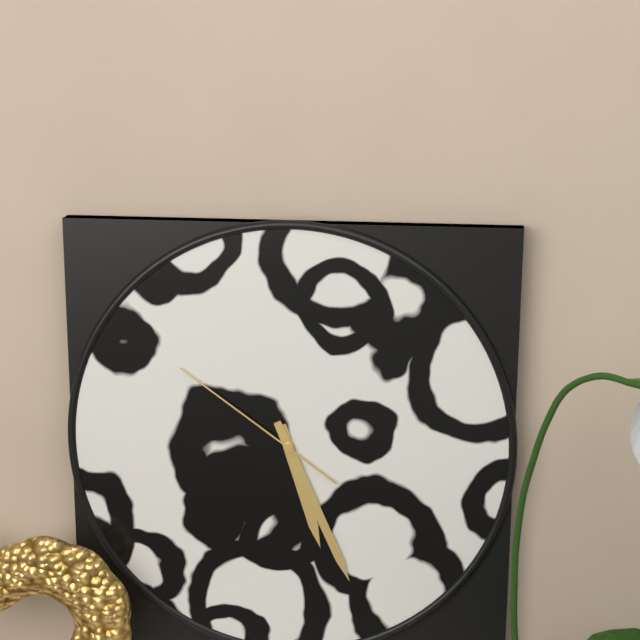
**5:26:51**
